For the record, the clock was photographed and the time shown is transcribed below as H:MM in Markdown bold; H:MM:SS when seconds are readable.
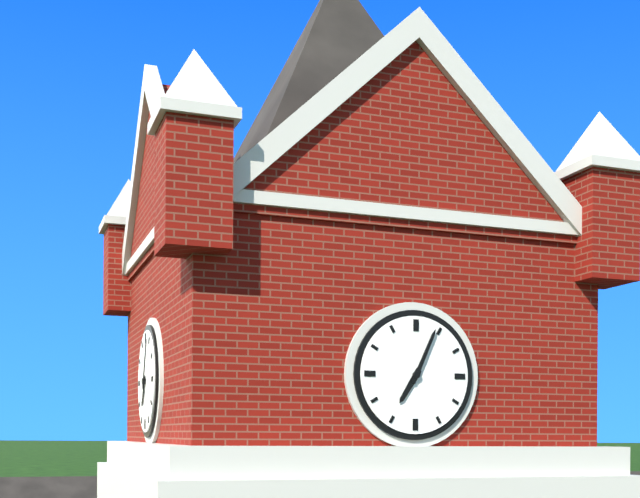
**7:04**
